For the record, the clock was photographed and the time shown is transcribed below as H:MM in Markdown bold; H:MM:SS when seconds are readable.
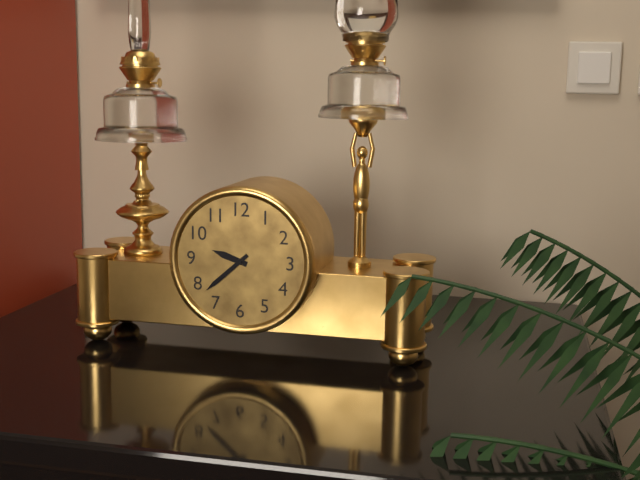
**9:38**
